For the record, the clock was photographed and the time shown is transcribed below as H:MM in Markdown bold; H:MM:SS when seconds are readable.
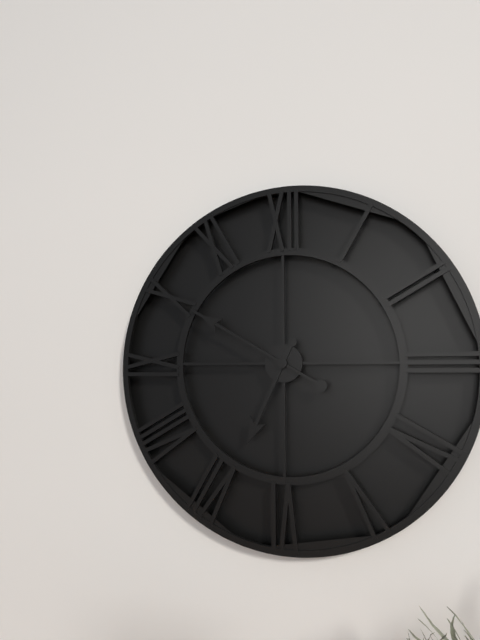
**6:50**
